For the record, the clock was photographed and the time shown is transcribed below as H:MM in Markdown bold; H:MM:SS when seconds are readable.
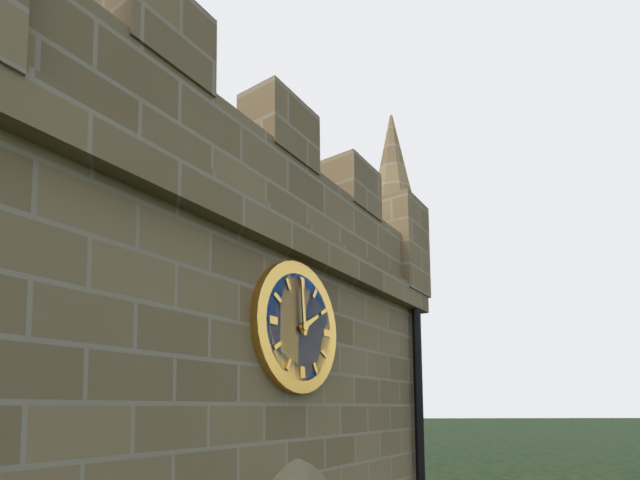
**1:59**
